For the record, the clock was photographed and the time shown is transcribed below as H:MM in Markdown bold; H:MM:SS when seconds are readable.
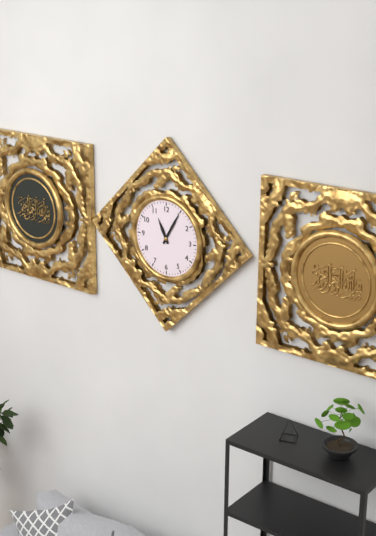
**11:05**
